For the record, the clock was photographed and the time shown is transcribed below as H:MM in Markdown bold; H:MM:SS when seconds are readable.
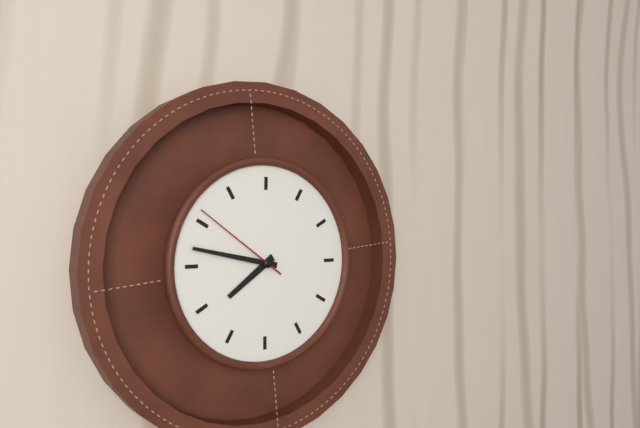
**7:47:51**
